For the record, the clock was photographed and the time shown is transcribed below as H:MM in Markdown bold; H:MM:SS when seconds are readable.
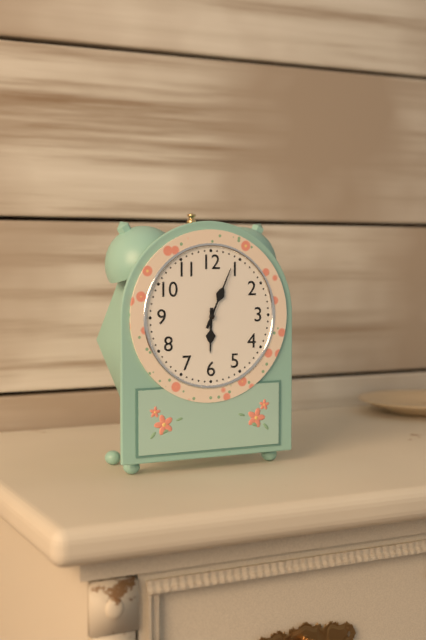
**6:04**
